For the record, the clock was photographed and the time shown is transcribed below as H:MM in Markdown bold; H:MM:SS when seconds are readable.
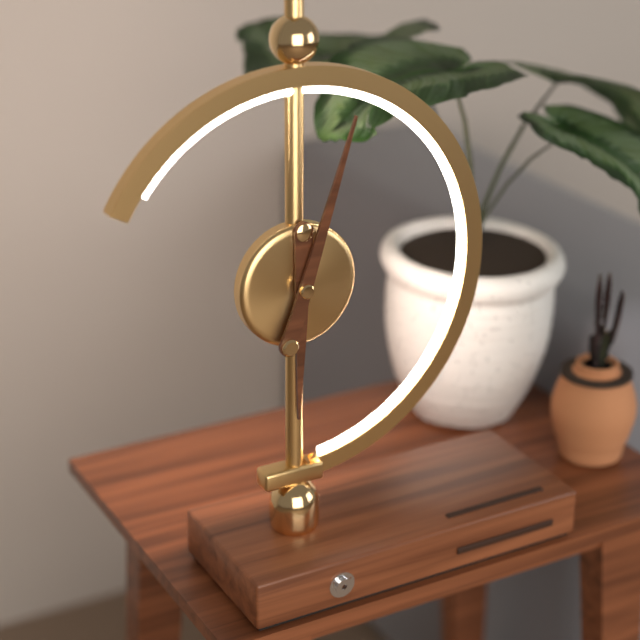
**6:03**
